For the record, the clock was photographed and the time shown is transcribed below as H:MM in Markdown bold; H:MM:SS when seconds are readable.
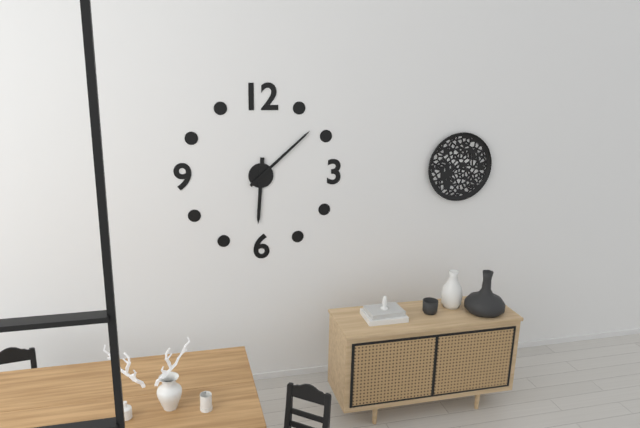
**6:08**
